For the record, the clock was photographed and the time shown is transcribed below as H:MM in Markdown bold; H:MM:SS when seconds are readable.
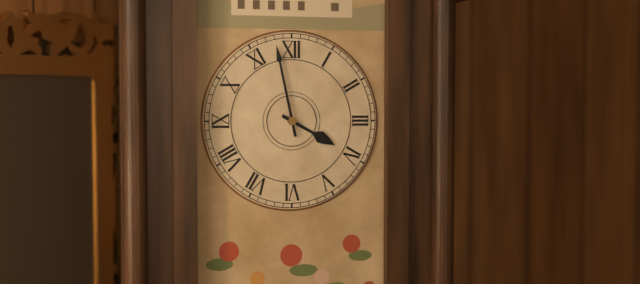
**3:58**
